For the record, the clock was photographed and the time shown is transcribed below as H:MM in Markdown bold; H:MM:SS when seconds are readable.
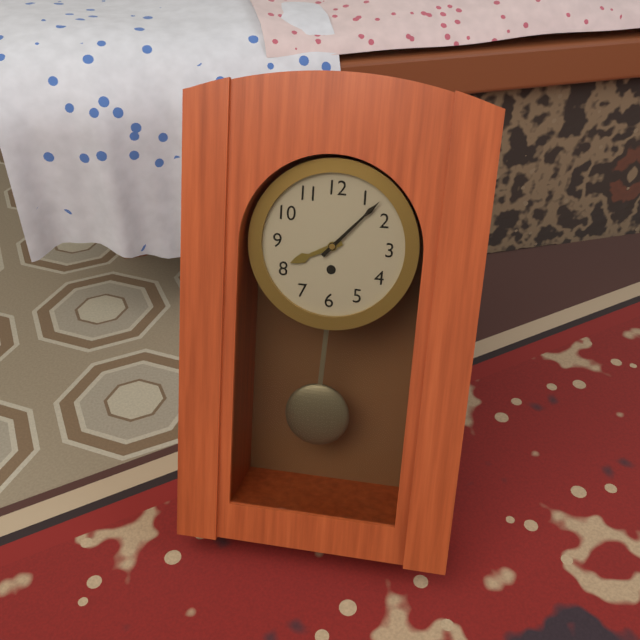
**8:07**
